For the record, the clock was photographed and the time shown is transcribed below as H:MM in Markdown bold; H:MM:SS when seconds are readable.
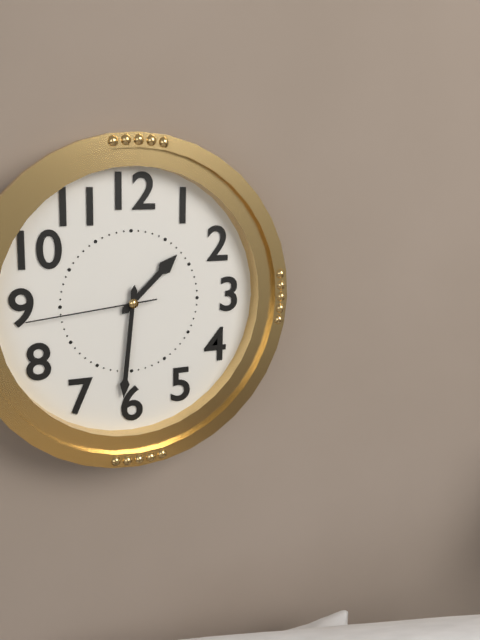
**1:31:44**
